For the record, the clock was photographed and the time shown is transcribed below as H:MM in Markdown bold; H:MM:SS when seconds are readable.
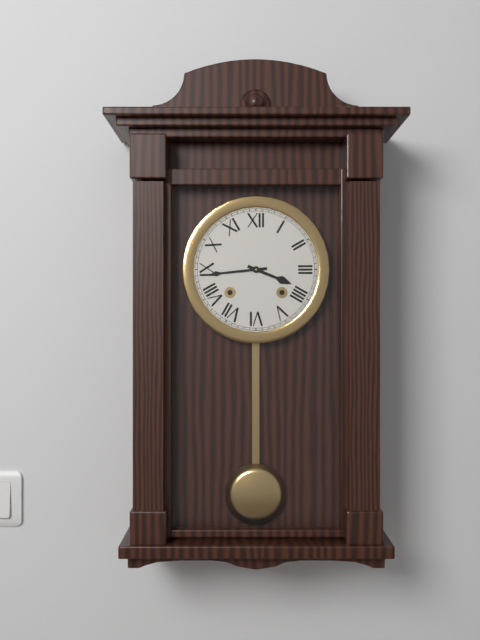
**3:44**
